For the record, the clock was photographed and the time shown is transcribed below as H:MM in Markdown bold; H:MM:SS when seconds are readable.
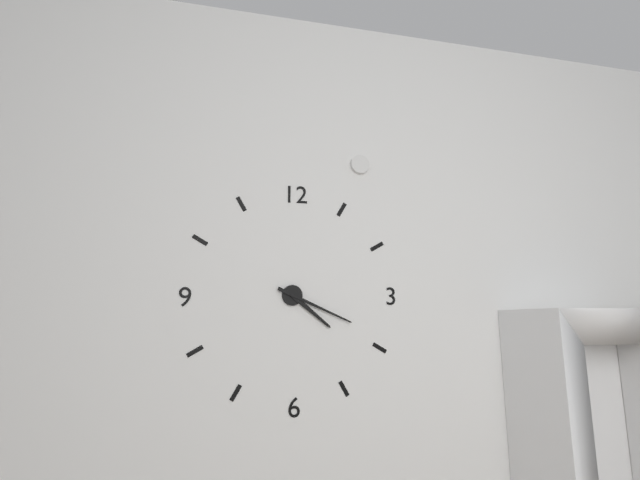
**4:19**
